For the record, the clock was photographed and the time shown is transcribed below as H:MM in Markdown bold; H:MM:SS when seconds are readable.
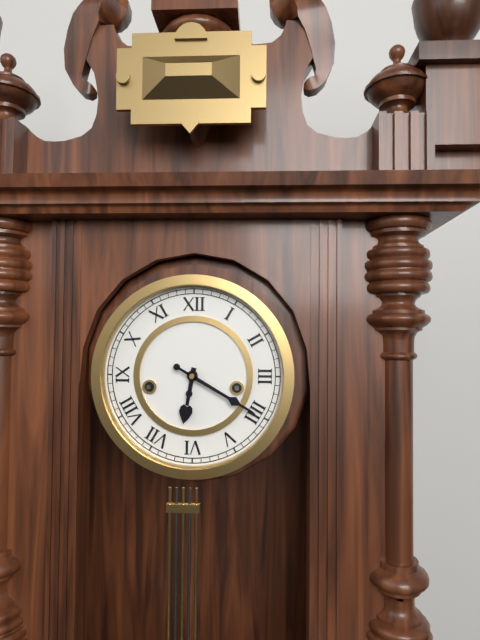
**6:20**
